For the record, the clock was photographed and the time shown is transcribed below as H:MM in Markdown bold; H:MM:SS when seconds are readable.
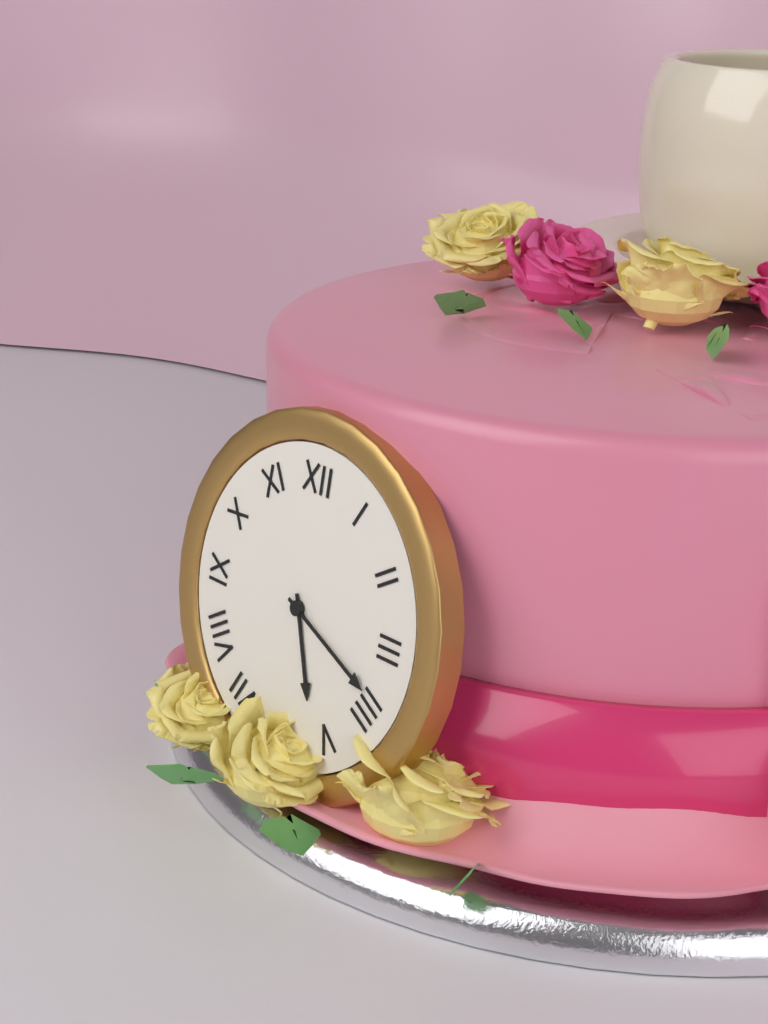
**5:19**
